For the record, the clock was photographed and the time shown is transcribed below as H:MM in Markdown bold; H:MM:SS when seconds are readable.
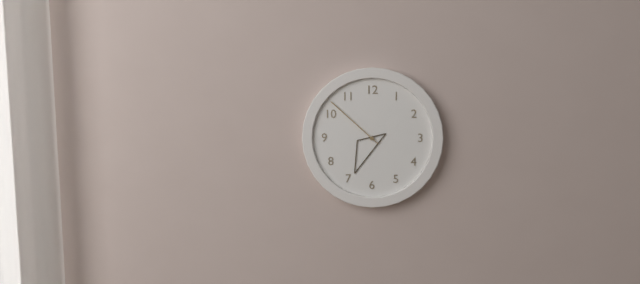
**6:52**
